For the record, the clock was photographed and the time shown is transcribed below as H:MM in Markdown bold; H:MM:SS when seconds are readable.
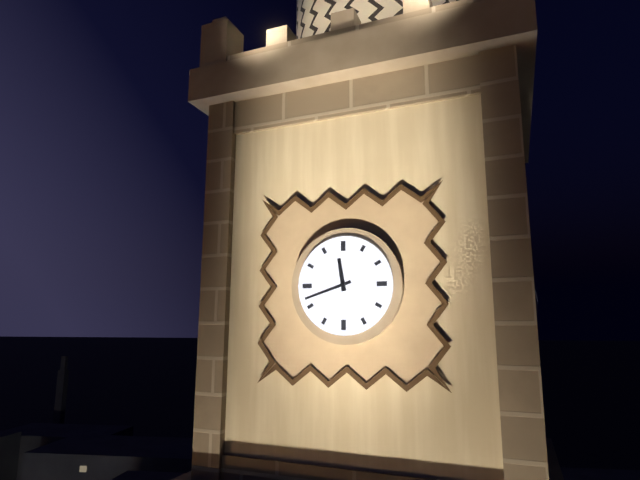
**11:42**
